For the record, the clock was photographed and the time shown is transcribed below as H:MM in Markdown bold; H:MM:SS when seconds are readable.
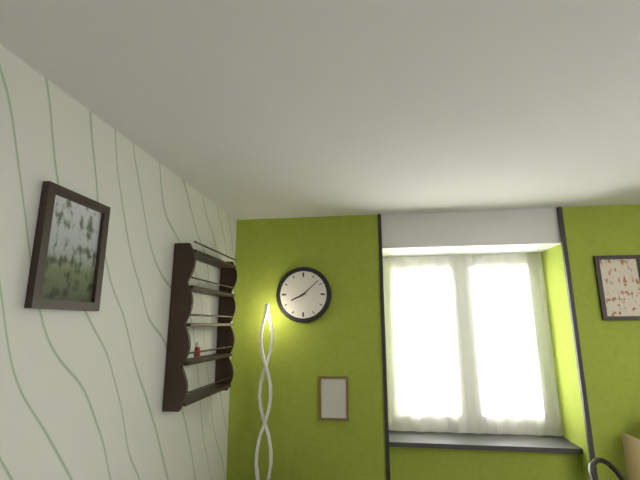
**8:08**
